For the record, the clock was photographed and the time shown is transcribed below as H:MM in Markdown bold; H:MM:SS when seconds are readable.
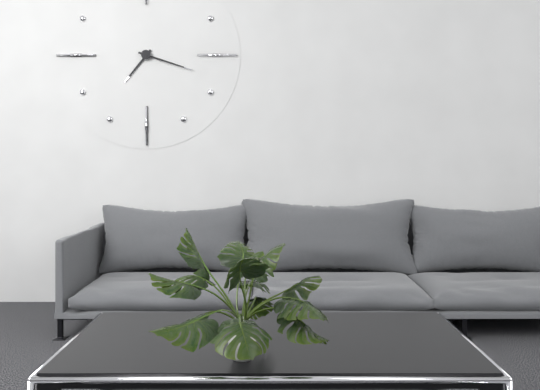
**7:18**
